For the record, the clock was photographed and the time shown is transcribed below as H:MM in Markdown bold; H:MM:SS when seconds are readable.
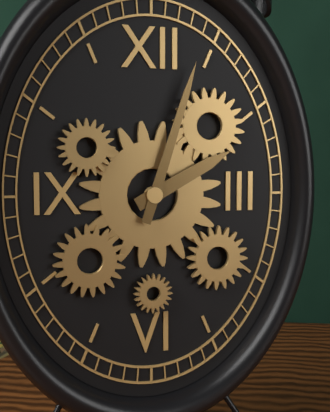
**2:03**
